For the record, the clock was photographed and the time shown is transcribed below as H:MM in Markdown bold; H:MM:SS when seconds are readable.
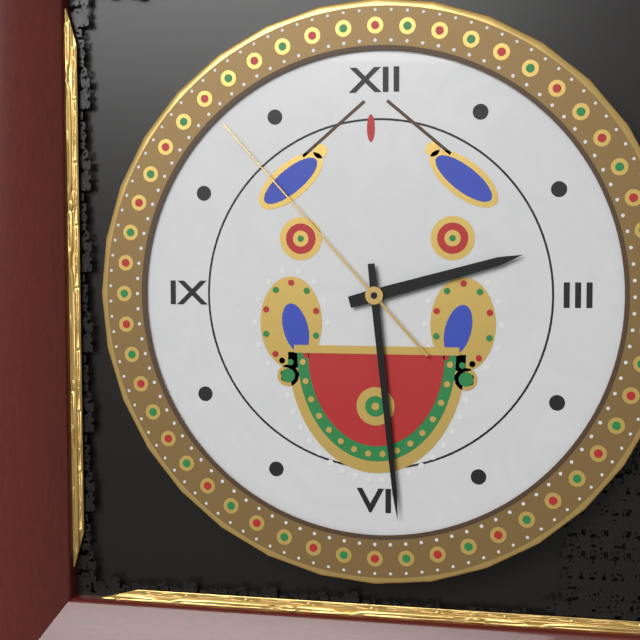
**2:29:53**
